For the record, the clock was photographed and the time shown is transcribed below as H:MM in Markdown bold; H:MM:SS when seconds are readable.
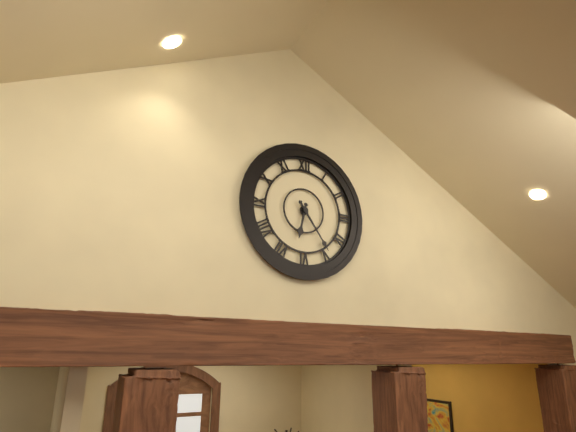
**6:24**
